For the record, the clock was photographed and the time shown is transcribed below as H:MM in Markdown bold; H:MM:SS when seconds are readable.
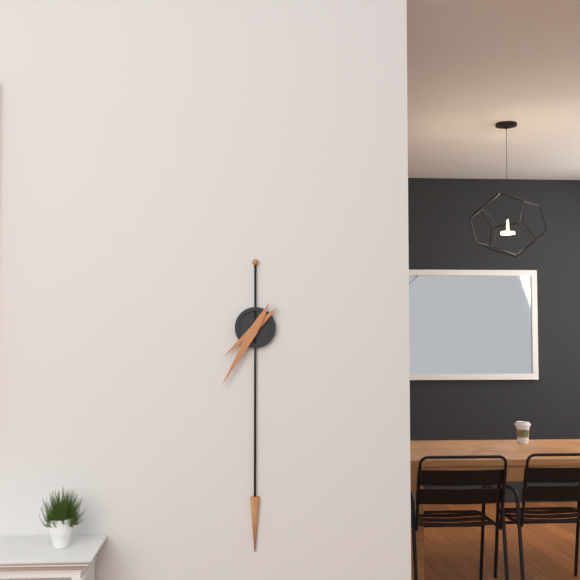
**7:35**
